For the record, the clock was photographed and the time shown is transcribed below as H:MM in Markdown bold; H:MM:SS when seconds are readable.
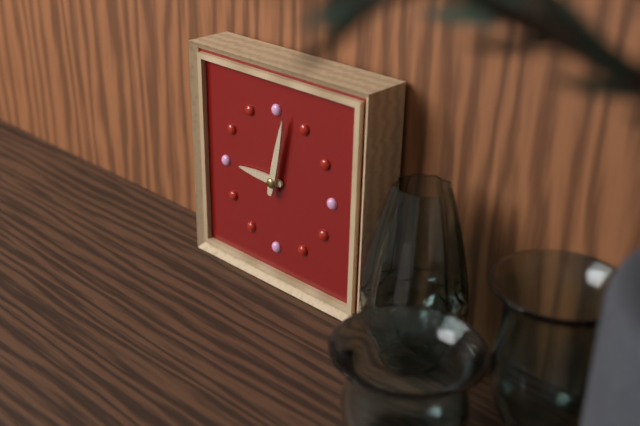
**9:02**
